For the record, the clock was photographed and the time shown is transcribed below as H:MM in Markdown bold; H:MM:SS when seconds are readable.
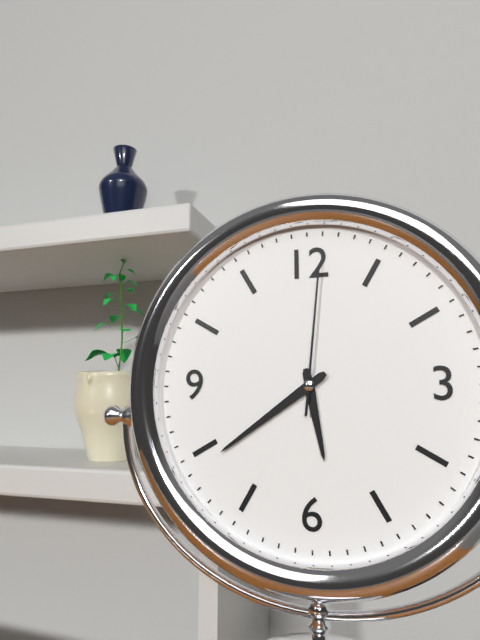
**5:39:01**
